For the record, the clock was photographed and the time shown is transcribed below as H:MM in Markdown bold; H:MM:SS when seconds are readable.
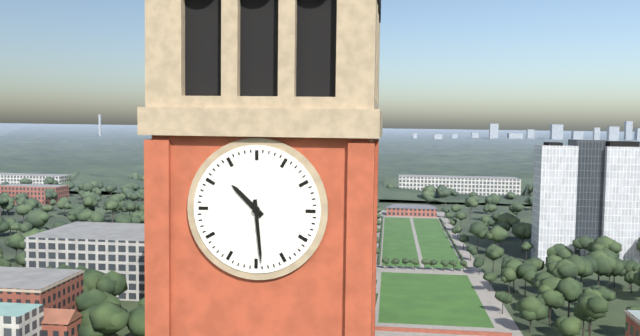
**10:29**
